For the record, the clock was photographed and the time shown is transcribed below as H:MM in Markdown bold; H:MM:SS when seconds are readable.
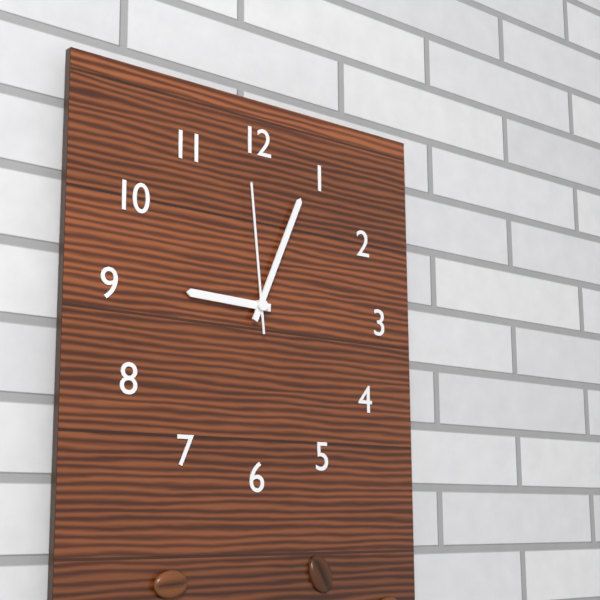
**9:04:59**
